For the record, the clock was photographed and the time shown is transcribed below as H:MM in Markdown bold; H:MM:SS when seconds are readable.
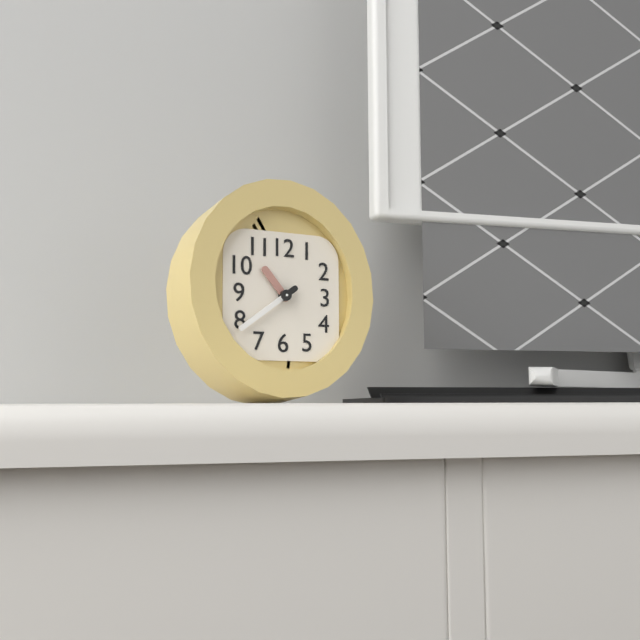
**10:39**
